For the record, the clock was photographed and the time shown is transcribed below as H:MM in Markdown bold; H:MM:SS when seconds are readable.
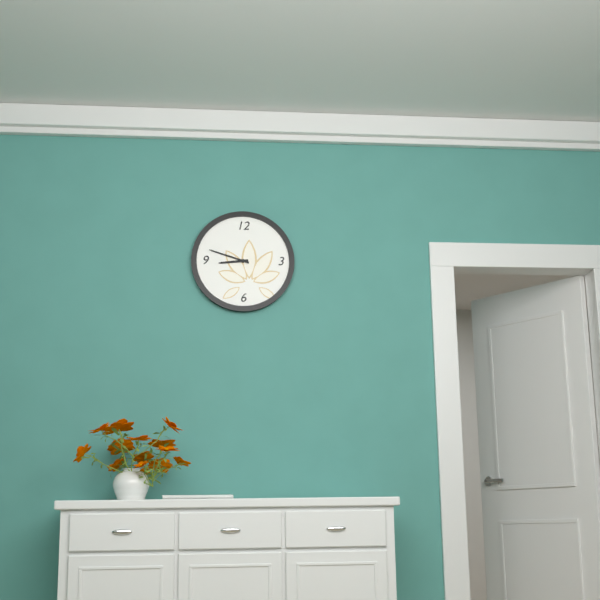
**8:48**
